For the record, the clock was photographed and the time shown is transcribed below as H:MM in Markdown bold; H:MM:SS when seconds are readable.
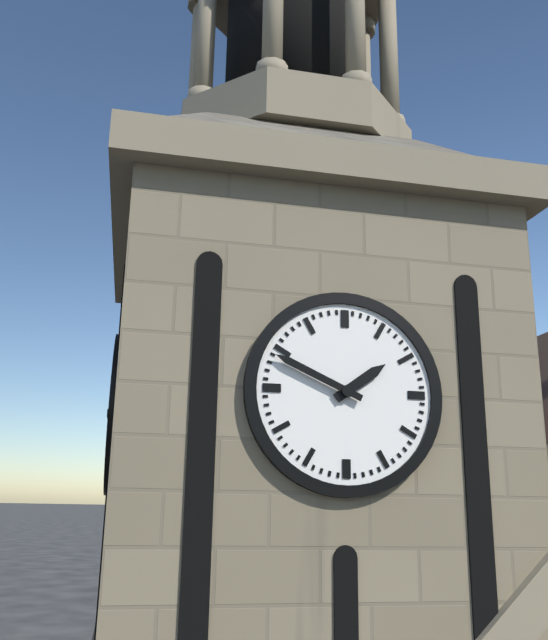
**1:49**
